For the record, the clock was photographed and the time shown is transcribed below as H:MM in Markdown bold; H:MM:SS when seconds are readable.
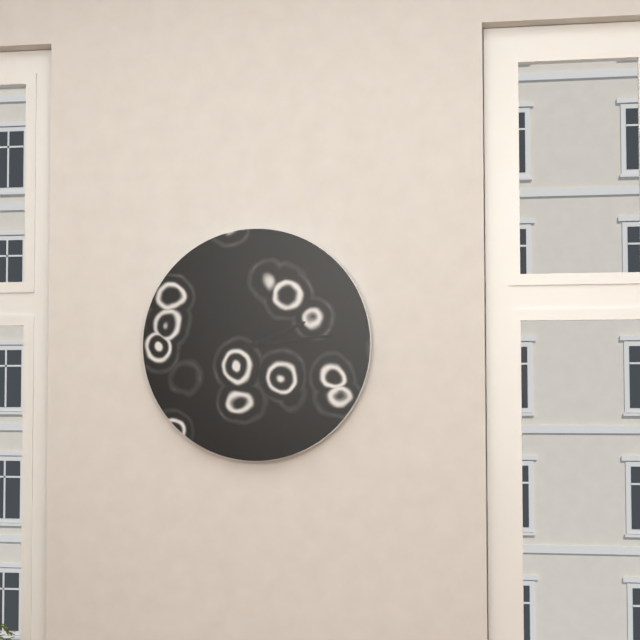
**2:14**
